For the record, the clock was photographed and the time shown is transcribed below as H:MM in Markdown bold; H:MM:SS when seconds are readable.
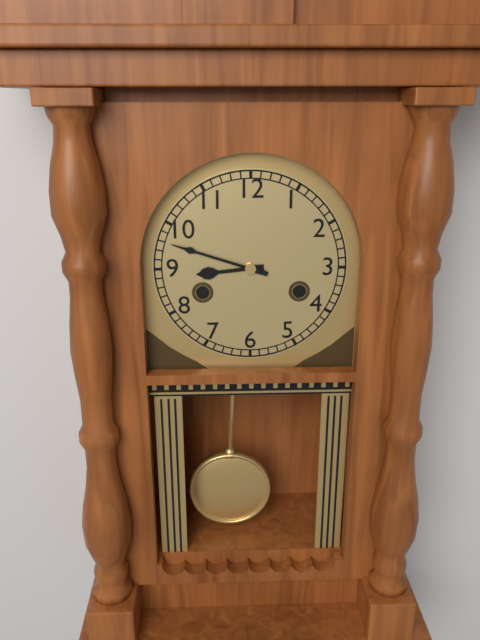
**8:48**
